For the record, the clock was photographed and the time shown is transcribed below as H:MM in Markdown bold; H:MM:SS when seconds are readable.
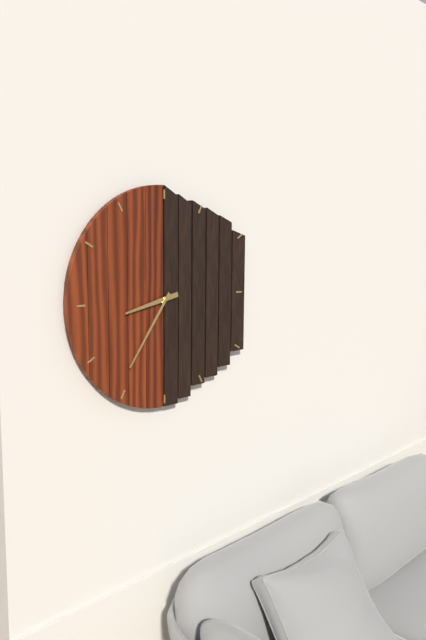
**8:36**
